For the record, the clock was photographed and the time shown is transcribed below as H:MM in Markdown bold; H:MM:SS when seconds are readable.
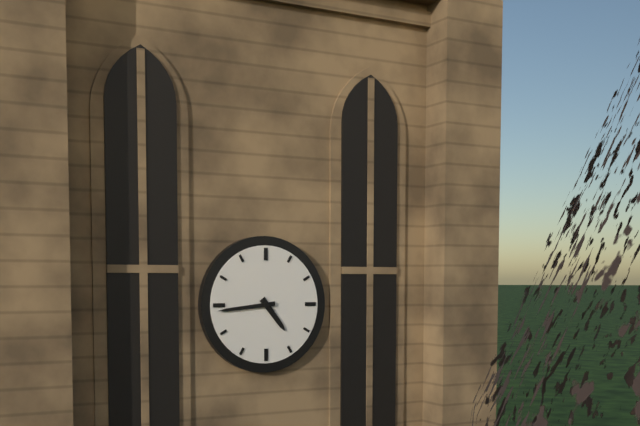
**4:44**
